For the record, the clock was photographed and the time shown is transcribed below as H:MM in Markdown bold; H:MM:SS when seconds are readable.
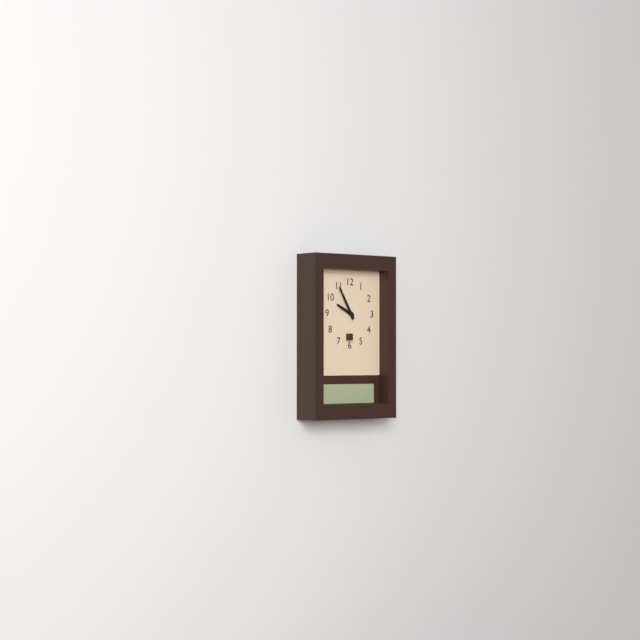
**9:55**
